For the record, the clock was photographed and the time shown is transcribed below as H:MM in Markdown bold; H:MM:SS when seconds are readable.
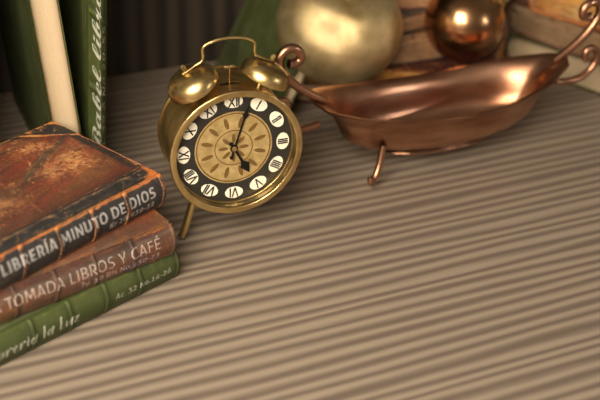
**5:03**
